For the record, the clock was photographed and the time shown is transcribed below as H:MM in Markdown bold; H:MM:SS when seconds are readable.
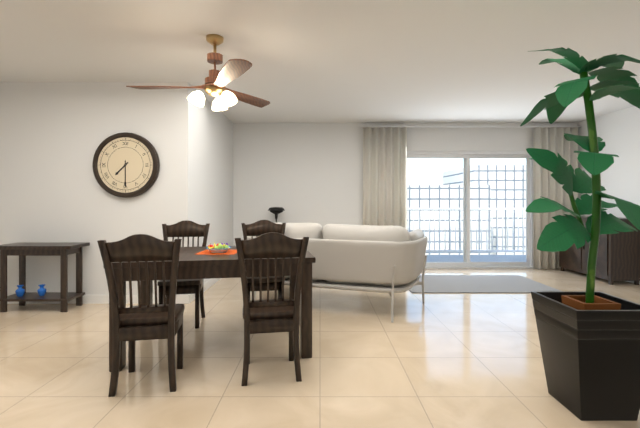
**7:30**
